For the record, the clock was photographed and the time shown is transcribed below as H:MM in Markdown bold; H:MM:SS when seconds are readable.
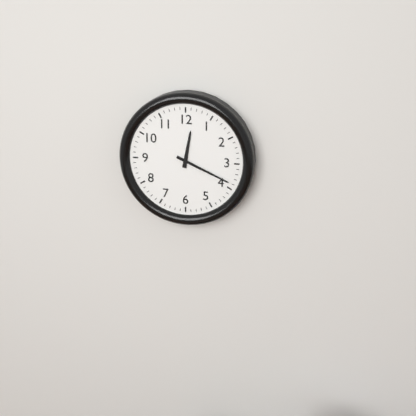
**12:19**
